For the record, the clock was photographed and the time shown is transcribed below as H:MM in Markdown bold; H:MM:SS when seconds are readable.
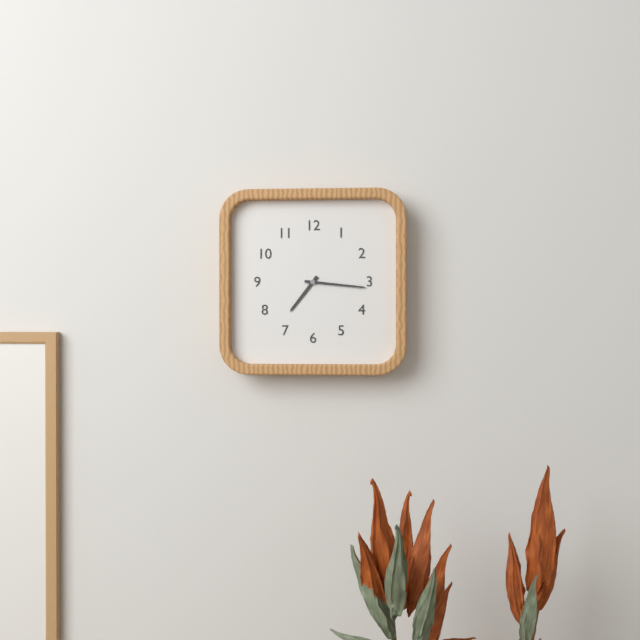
**7:16**
